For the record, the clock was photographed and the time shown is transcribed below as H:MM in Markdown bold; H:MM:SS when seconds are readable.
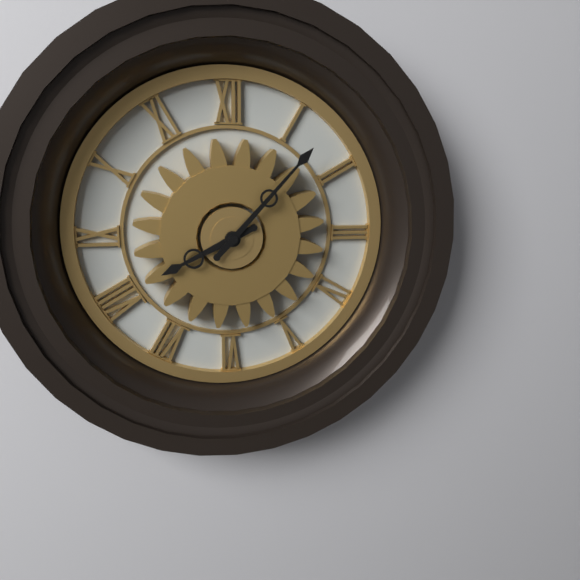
**8:07**
